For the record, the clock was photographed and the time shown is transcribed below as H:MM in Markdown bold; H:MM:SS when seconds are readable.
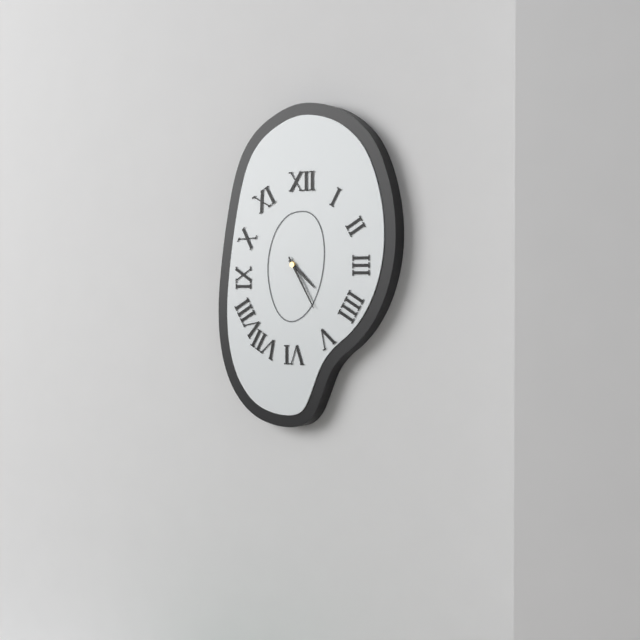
**4:25**
